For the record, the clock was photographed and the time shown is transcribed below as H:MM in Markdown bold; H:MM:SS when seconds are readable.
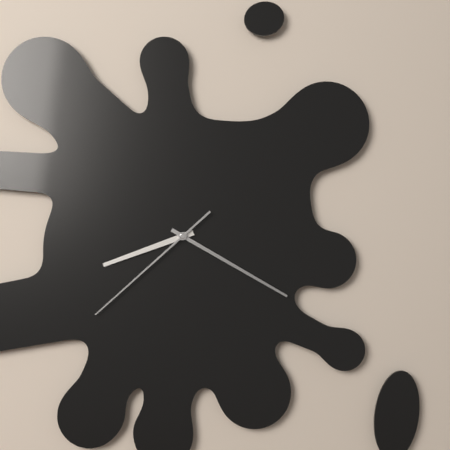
**8:20:38**
